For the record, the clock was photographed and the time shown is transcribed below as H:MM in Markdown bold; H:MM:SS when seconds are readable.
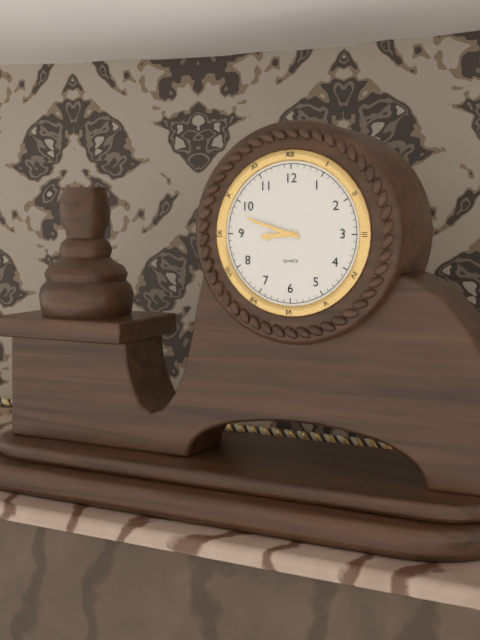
**8:48**
